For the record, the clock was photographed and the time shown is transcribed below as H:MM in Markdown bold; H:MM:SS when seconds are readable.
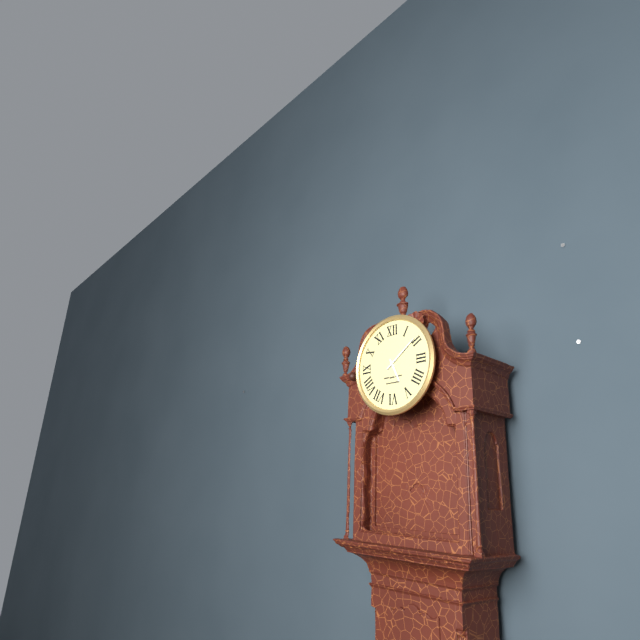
**5:09**
